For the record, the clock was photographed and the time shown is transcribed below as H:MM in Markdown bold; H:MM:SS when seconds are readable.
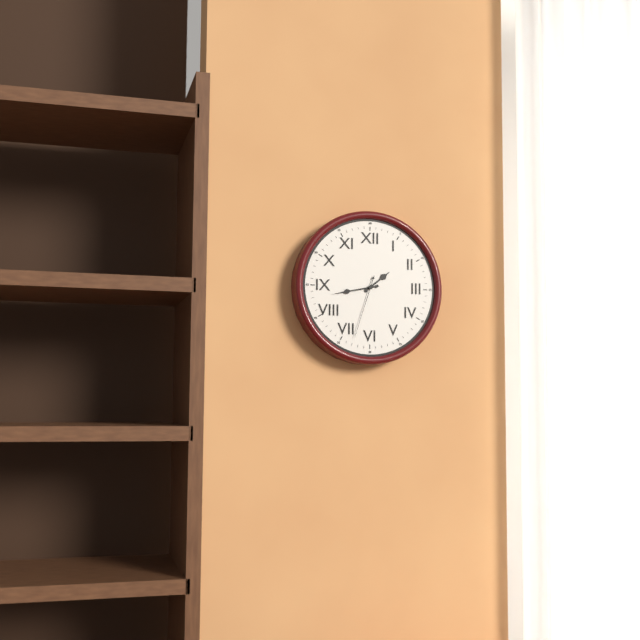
**1:43:33**
